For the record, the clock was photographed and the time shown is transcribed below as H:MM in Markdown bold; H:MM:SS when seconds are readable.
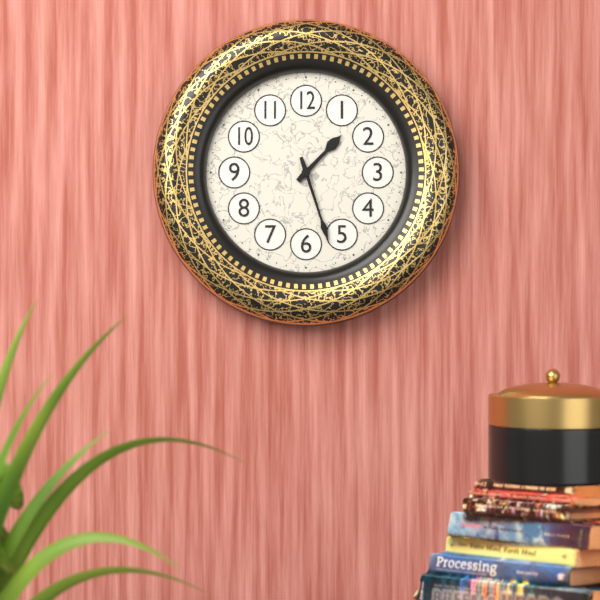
**1:27**
